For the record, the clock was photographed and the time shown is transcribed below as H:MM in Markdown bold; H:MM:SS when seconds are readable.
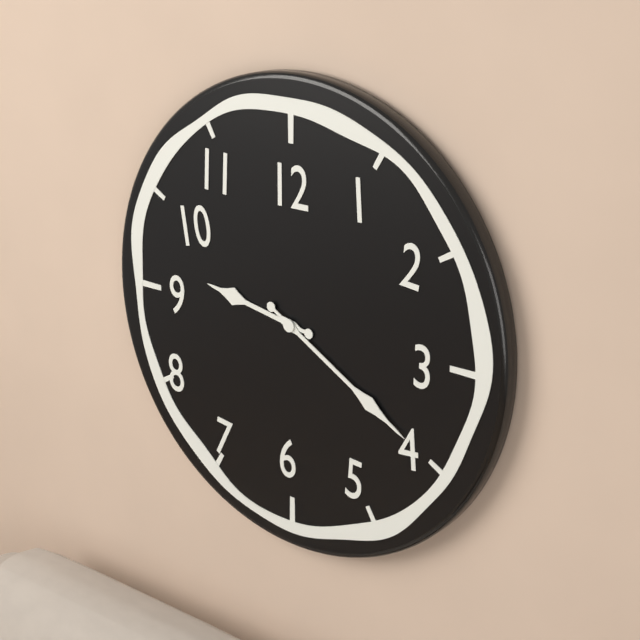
**9:20**
